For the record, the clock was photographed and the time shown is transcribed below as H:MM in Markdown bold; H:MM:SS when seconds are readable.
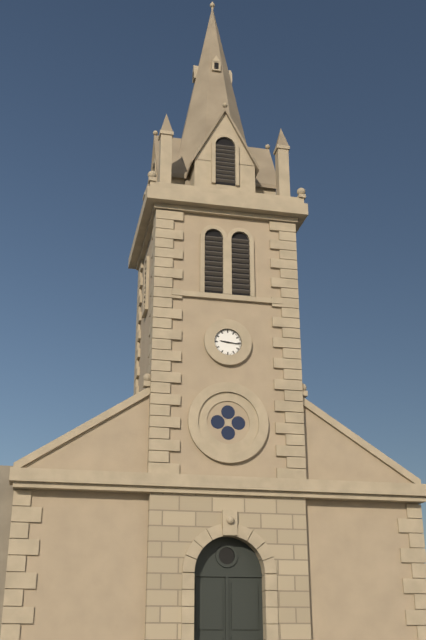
**9:16**
